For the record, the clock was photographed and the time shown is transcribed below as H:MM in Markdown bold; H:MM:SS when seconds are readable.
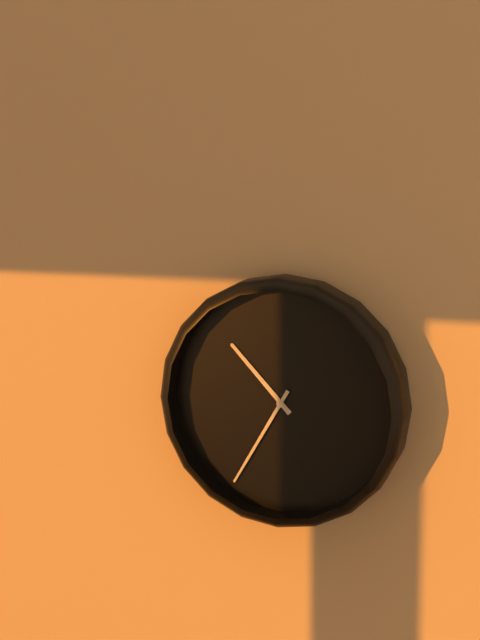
**10:35**
